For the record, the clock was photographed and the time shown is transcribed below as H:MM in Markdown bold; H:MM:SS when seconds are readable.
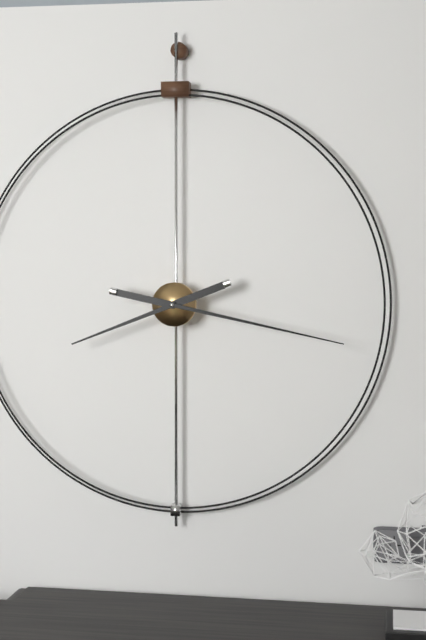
**8:17**
